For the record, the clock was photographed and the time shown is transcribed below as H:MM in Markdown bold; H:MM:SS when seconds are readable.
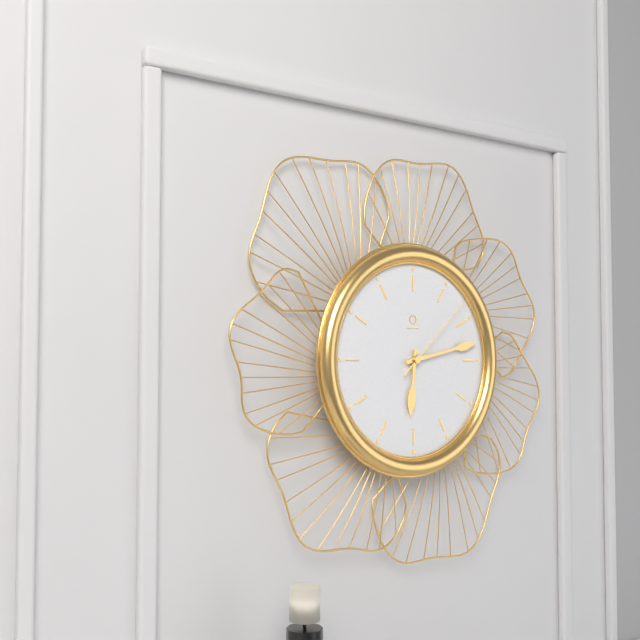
**6:13:08**
